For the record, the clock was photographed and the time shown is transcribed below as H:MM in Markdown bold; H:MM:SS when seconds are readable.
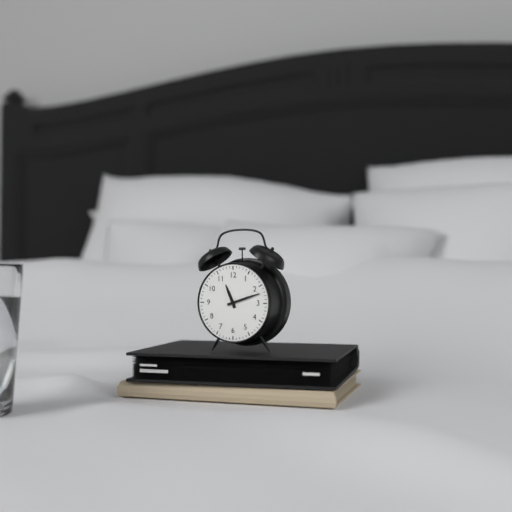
**11:12**
